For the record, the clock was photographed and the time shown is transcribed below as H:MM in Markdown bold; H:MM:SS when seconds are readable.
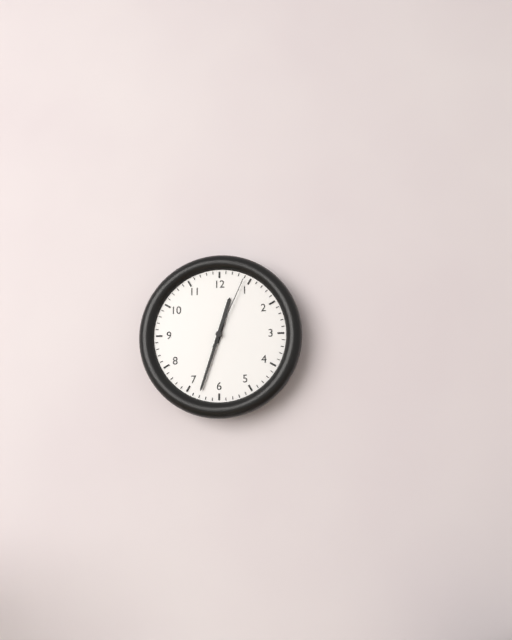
**12:33:04**
